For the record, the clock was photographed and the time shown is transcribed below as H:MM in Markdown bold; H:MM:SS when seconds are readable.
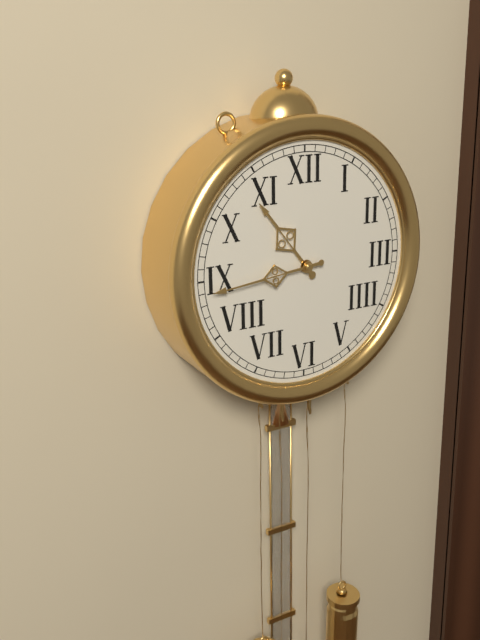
**10:44**
